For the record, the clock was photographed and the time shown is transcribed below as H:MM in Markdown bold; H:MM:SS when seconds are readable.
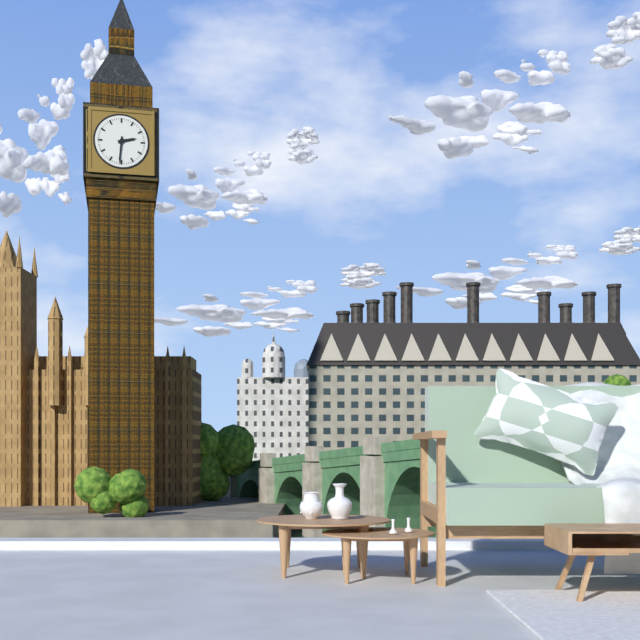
**2:31**
